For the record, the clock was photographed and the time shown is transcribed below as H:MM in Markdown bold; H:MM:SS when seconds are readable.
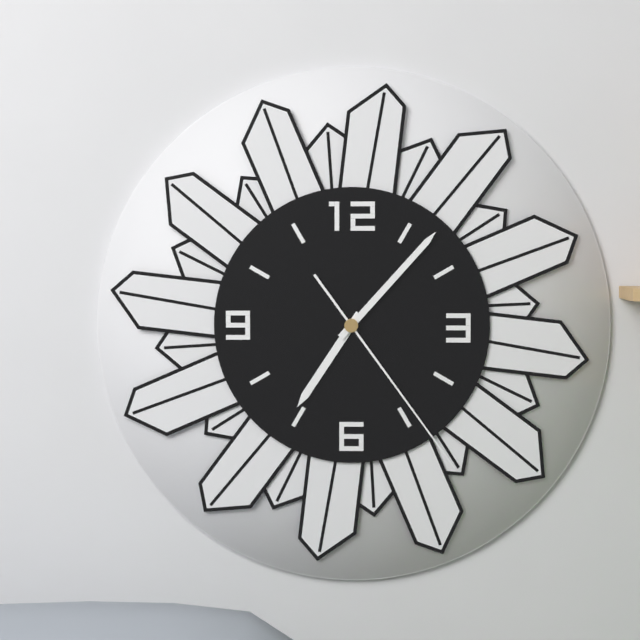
**7:07:24**
